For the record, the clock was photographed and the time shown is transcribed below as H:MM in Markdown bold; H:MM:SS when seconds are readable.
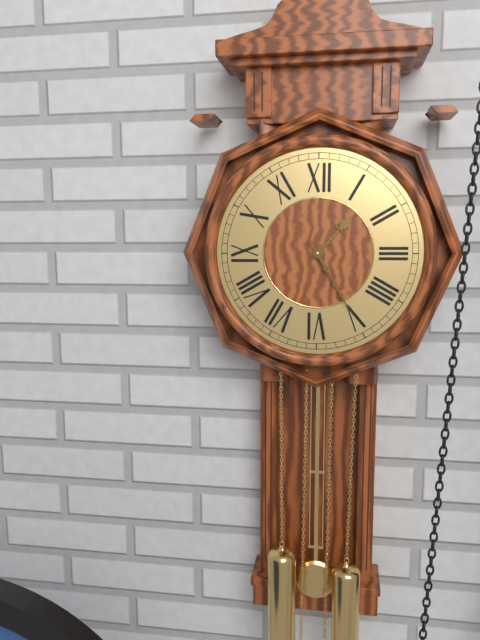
**1:25**
